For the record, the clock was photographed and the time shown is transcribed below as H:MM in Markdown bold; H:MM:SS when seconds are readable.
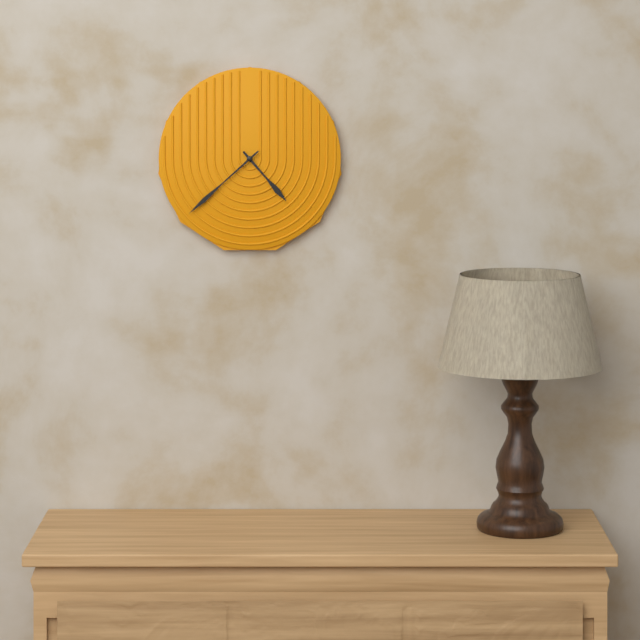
**4:38**
